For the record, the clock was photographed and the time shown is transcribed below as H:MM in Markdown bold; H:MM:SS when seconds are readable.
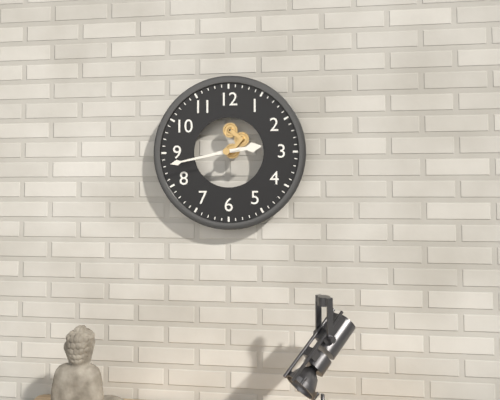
**2:43**
